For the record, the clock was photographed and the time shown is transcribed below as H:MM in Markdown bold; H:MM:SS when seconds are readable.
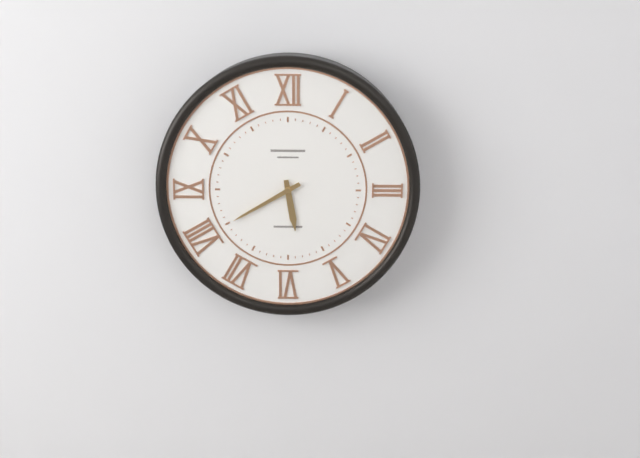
**5:40**
